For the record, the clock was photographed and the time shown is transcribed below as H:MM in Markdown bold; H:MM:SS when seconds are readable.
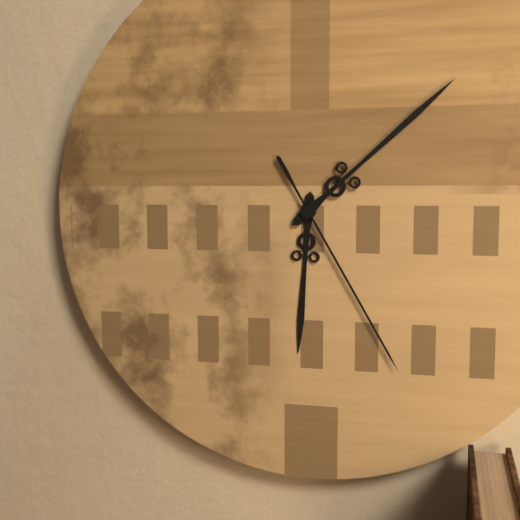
**6:08:25**
